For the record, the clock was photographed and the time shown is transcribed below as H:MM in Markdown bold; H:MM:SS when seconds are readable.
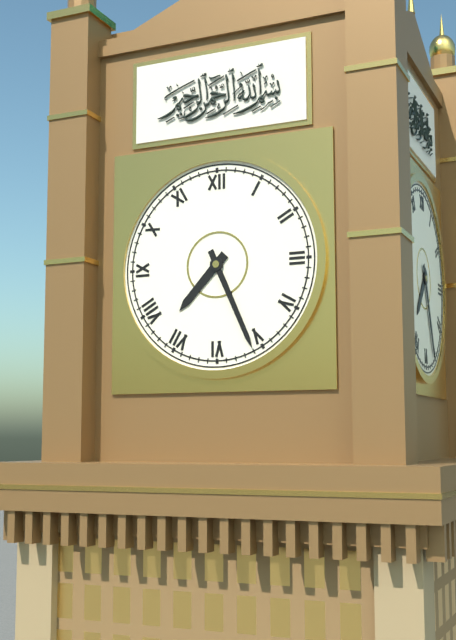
**7:26**
